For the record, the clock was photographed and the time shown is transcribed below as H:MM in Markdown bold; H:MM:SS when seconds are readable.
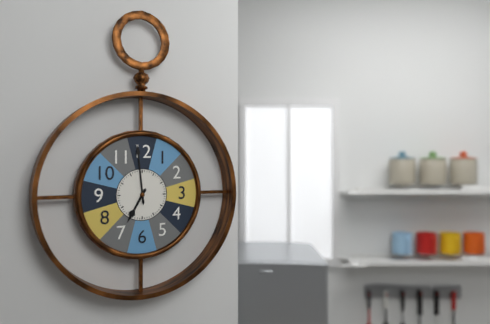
**6:59**
